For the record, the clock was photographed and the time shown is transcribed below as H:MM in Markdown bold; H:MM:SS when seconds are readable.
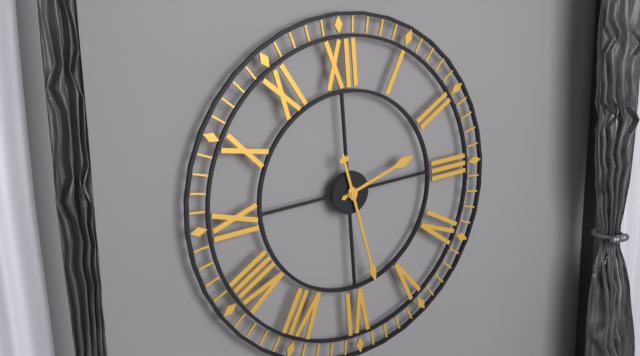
**2:28**
